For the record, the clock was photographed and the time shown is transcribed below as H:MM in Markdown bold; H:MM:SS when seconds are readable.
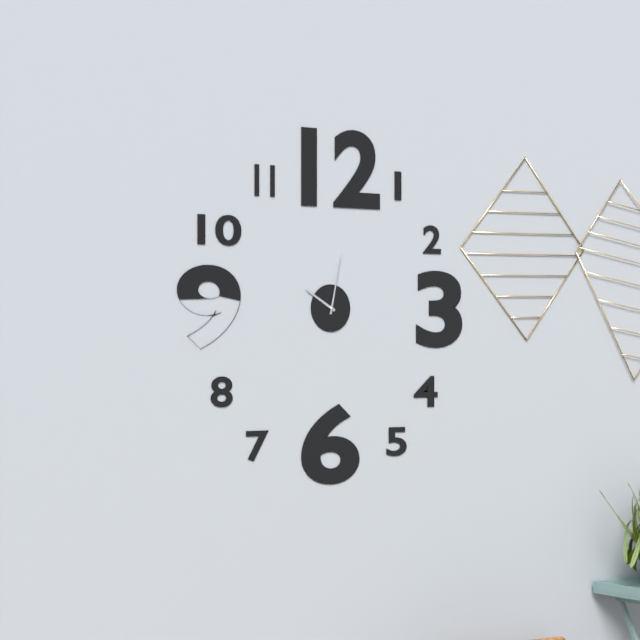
**10:02**
